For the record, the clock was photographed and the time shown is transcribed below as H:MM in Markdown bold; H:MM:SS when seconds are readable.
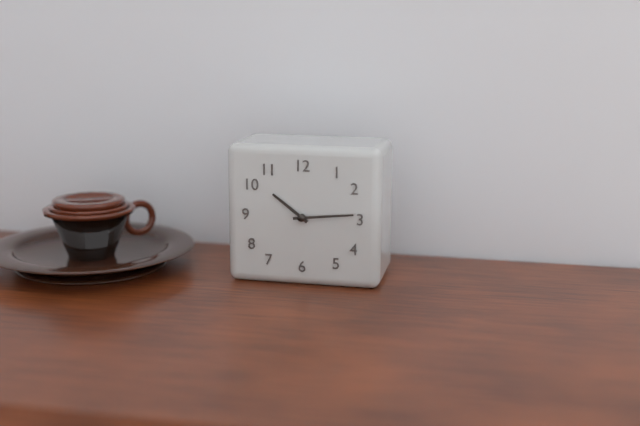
**10:14**
